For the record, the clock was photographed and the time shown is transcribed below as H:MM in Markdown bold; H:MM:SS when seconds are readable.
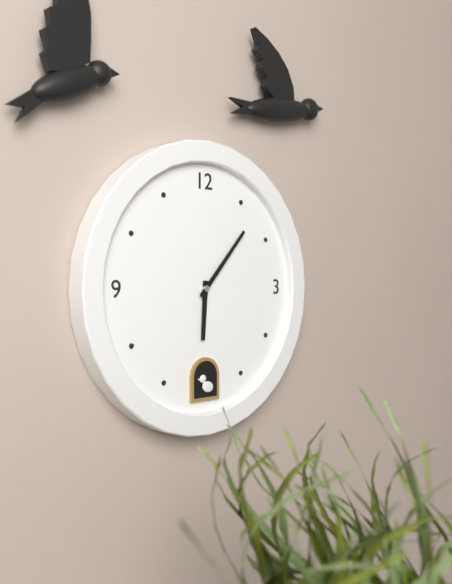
**6:07**
